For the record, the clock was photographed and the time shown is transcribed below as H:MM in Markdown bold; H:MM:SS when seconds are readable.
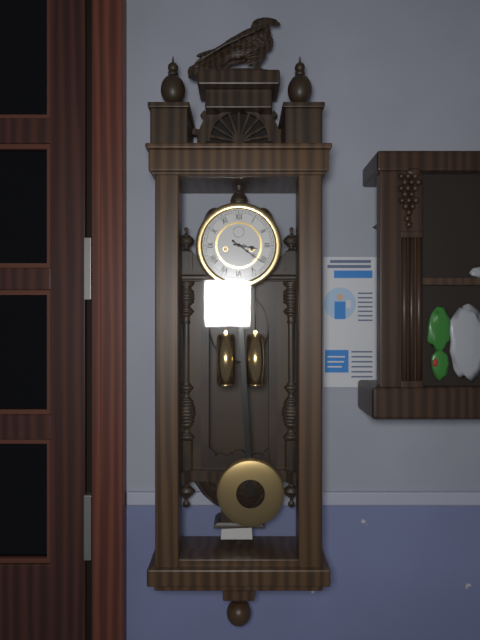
**3:21**
